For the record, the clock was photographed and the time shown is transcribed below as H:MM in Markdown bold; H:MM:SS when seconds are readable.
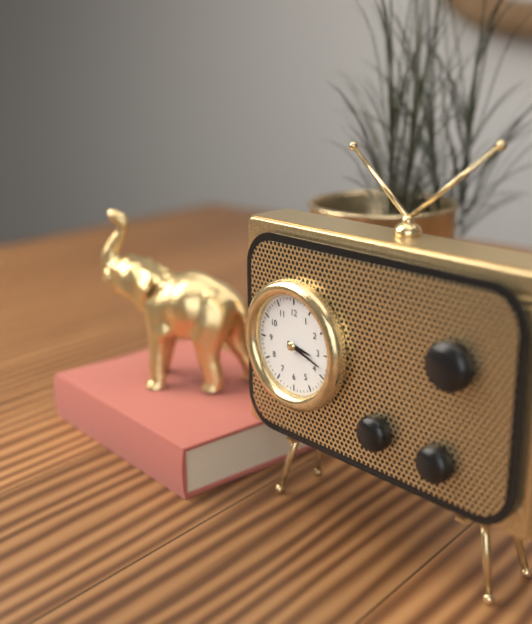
**3:18**
